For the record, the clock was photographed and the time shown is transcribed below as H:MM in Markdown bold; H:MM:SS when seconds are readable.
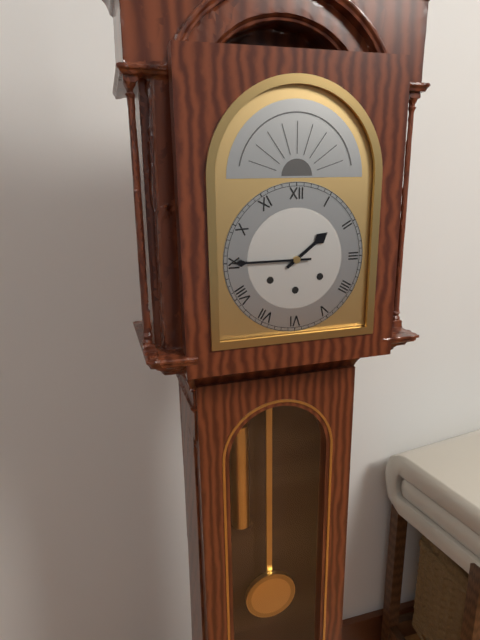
**1:45**
